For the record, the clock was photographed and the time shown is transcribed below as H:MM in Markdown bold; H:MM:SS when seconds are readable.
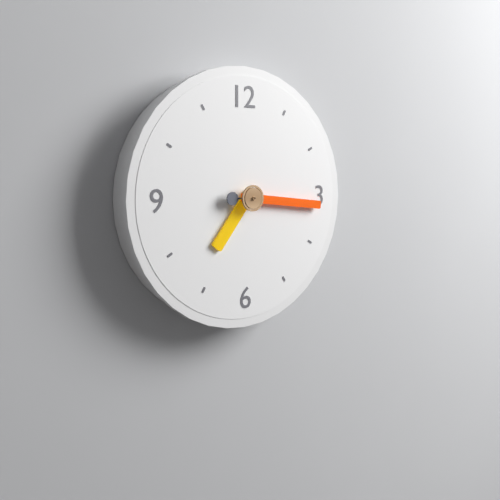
**7:16**
